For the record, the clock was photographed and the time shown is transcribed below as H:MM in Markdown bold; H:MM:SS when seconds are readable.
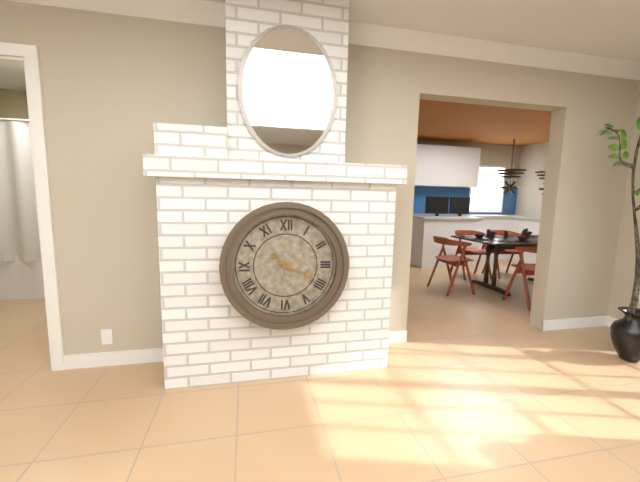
**10:19**
